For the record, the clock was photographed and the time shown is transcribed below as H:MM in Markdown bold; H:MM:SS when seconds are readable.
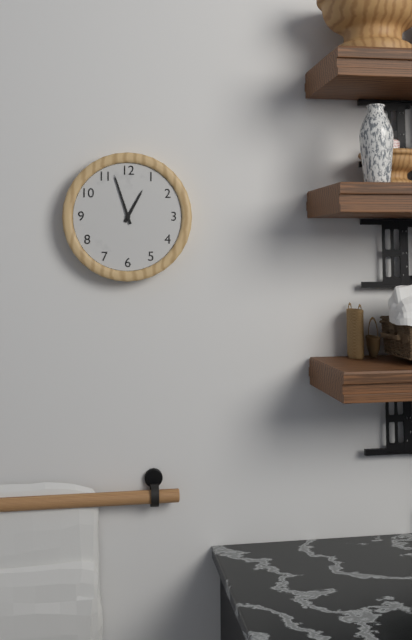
**12:57**
